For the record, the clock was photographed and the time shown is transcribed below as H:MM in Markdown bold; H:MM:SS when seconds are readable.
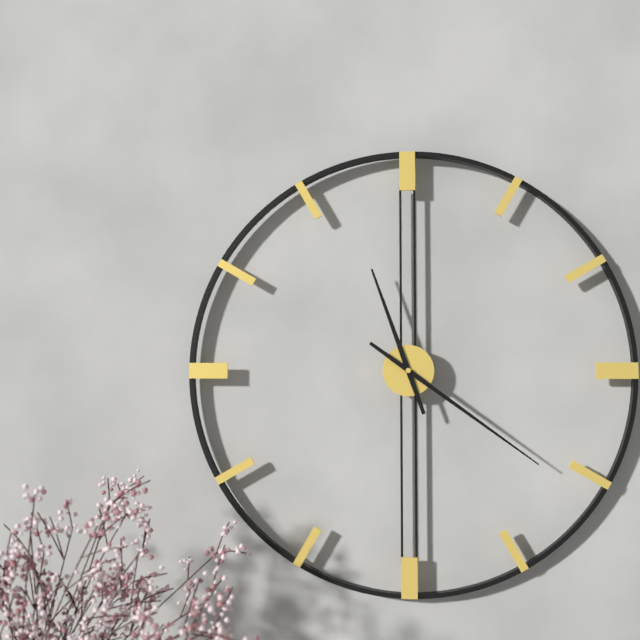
**11:21**
